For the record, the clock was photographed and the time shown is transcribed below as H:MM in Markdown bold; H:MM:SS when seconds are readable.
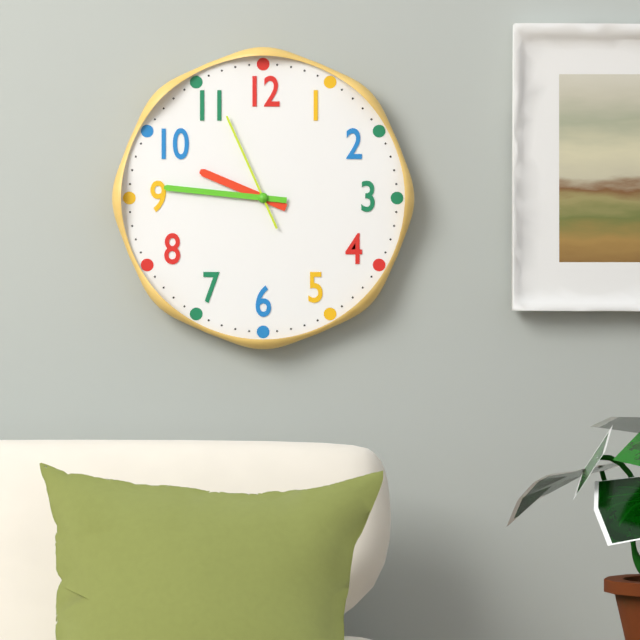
**9:46:56**
